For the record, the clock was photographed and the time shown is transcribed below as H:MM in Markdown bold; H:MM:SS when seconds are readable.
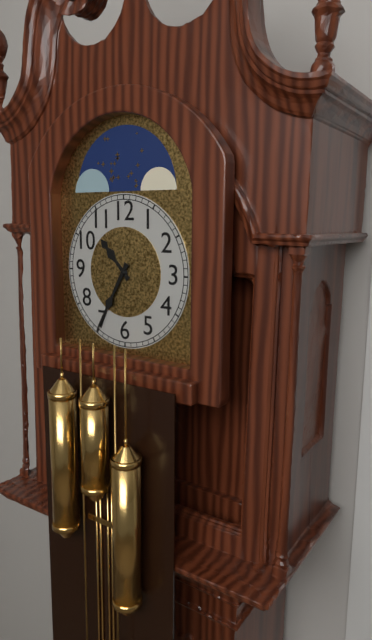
**10:35**
